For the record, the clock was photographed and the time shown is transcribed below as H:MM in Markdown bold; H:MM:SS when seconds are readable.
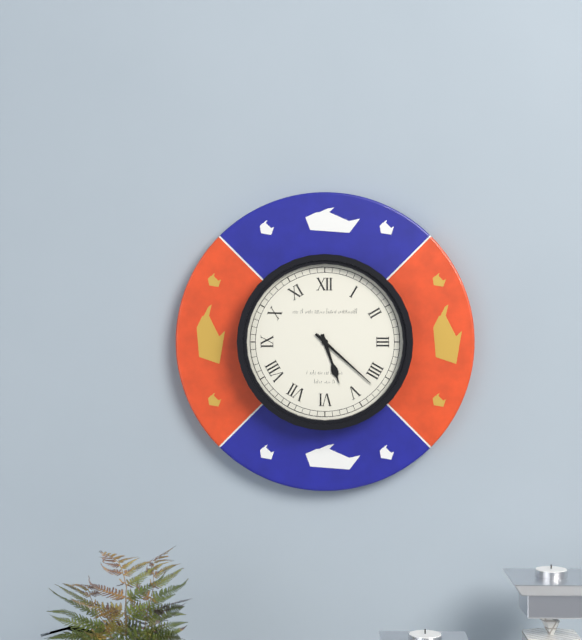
**5:22**
